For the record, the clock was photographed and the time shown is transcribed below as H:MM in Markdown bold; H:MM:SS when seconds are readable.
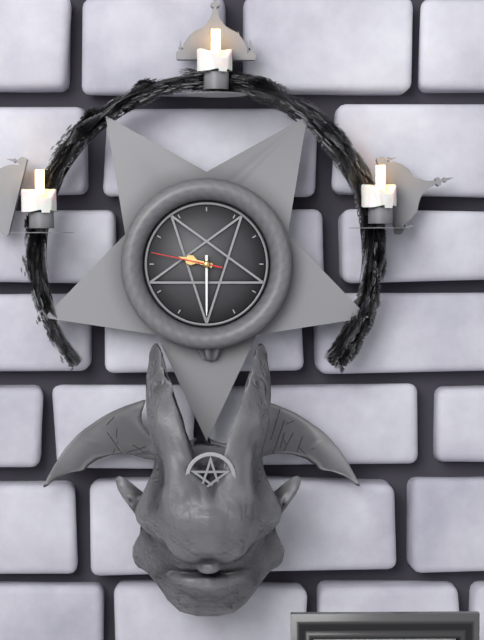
**9:30:47**
